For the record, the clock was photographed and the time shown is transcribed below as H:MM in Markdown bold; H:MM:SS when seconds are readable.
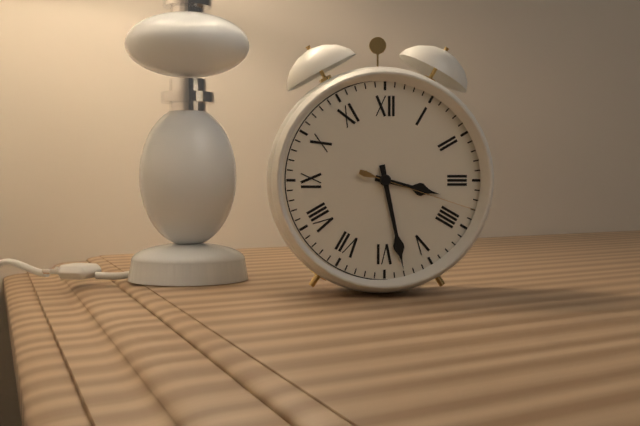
**3:28:18**
